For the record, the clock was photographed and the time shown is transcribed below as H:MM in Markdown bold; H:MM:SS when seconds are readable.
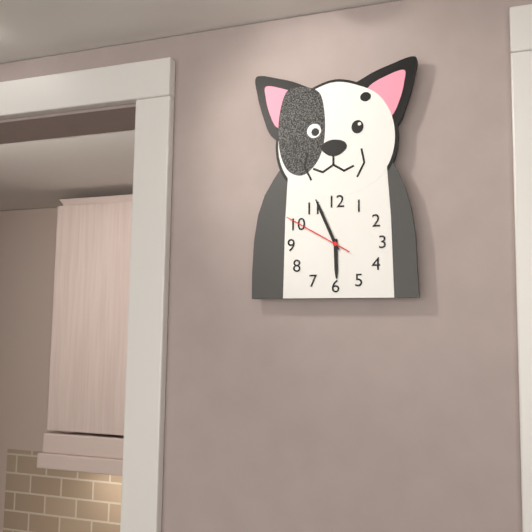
**5:56:50**
